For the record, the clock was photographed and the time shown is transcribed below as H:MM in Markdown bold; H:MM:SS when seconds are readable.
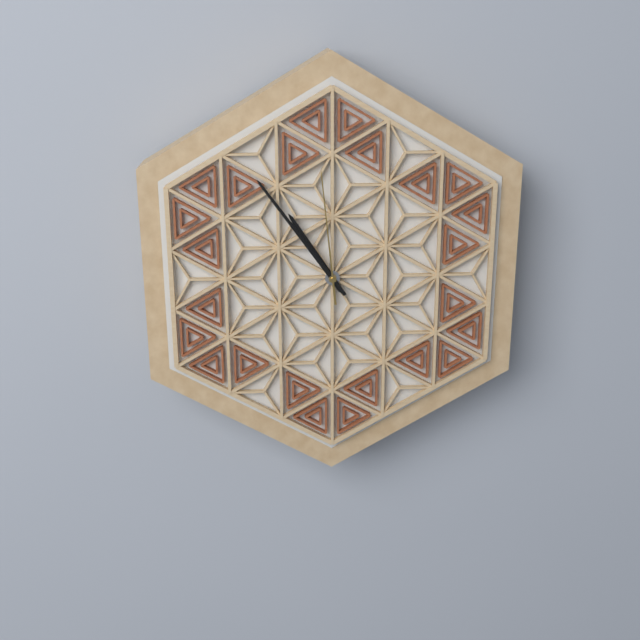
**10:54:59**
